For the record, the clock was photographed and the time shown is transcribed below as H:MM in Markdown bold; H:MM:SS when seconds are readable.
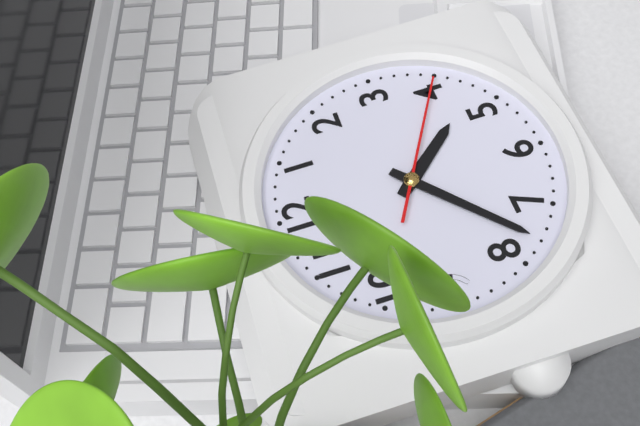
**4:38:20**
